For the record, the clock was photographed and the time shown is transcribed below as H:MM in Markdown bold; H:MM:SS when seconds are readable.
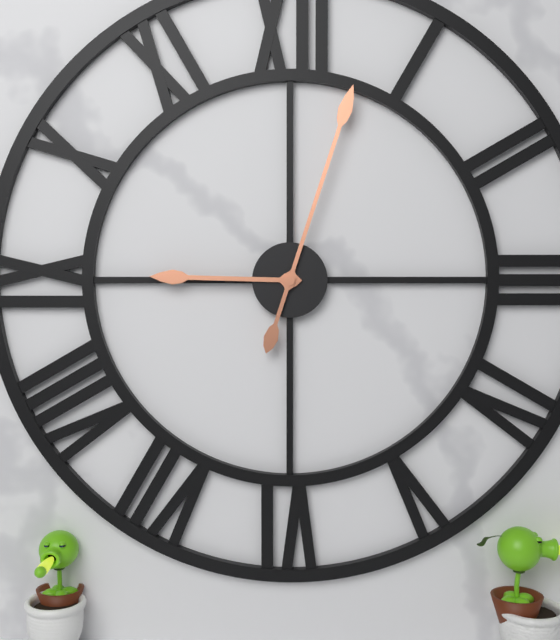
**9:03**
